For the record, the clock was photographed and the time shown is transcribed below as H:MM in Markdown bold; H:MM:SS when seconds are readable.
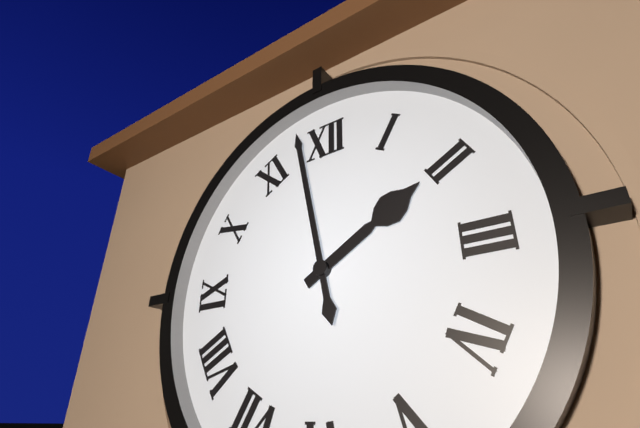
**1:58**
